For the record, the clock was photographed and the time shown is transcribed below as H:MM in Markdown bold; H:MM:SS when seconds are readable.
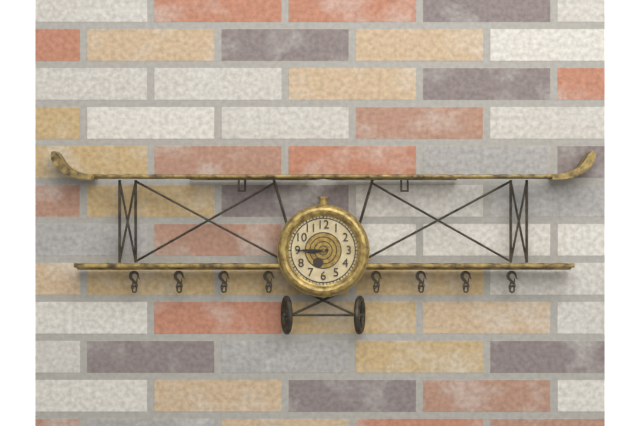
**8:45**
